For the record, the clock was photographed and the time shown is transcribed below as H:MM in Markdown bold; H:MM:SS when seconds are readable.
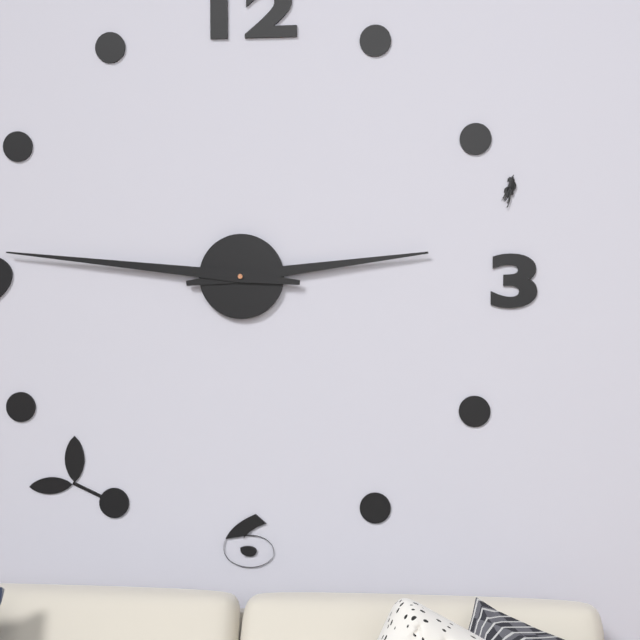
**2:46**
